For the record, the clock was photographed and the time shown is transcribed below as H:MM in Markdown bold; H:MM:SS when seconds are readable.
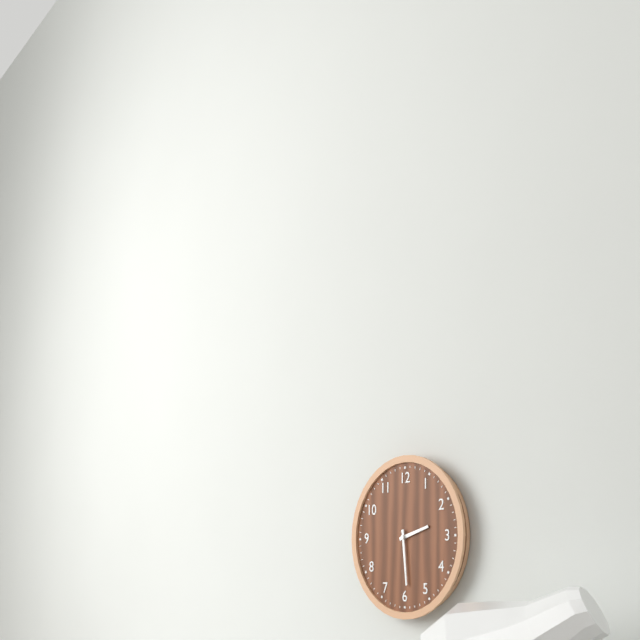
**2:29**
